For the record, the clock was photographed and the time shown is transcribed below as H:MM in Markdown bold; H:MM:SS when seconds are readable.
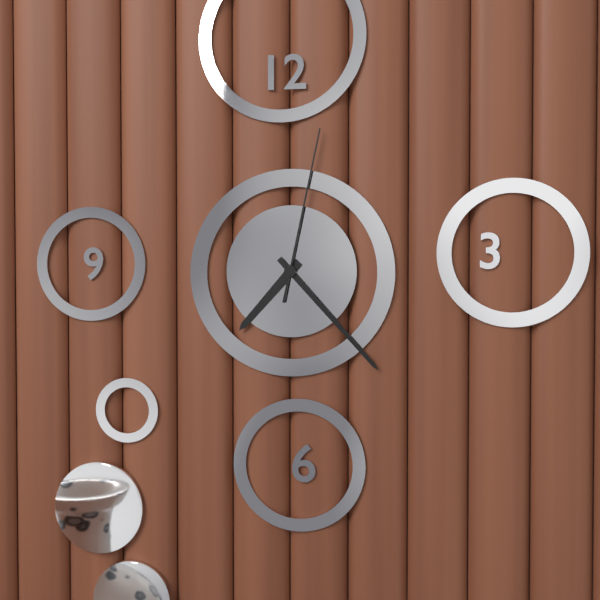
**7:23:02**
